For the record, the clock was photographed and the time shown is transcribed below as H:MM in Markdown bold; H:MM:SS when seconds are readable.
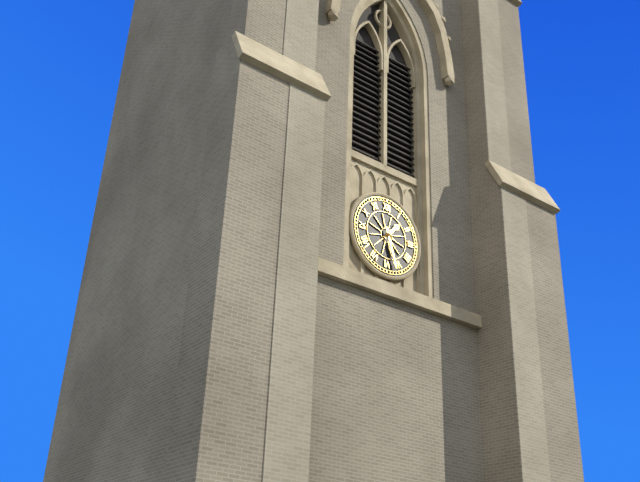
**1:27**
